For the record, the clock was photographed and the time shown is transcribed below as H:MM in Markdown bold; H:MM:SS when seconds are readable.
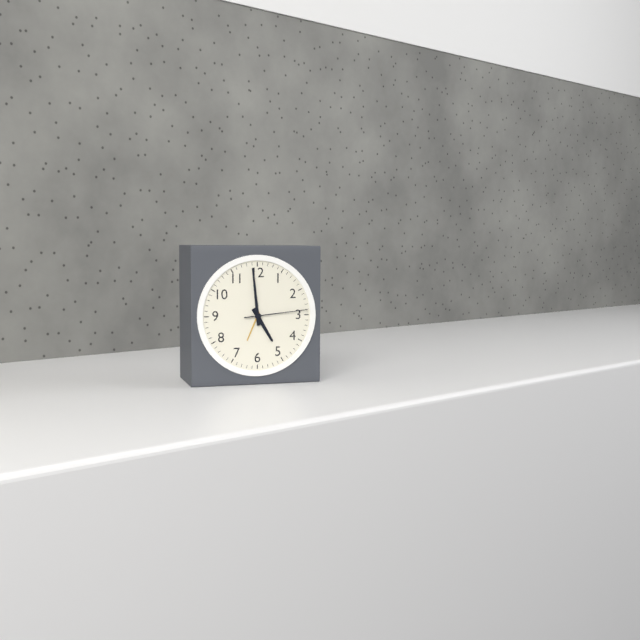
**4:59:14**
